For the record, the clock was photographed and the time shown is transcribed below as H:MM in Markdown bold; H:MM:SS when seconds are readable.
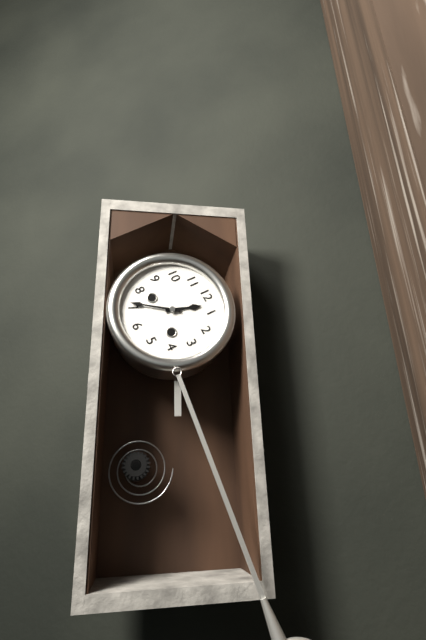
**12:36**
